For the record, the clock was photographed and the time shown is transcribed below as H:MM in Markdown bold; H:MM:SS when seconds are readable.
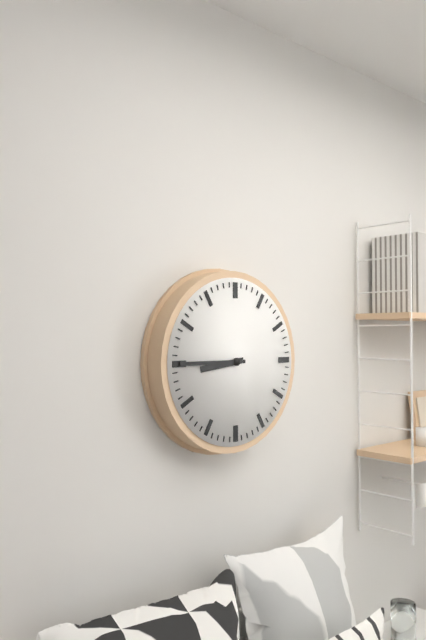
**8:45**
